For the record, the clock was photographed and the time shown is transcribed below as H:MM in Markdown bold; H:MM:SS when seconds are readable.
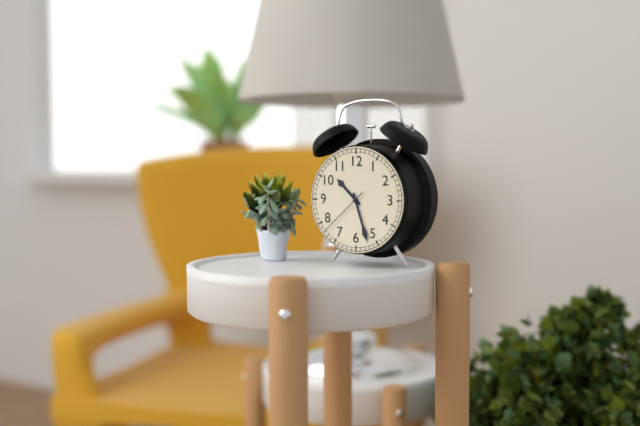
**10:27:38**
